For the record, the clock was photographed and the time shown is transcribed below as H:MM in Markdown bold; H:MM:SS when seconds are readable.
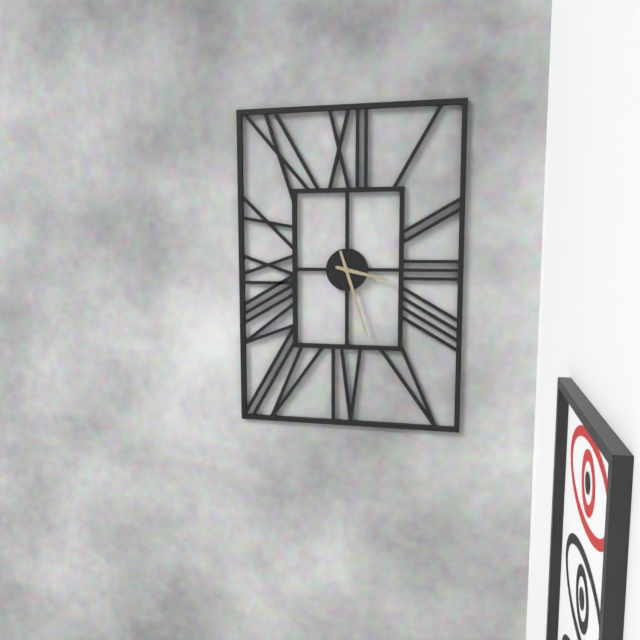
**3:27**
